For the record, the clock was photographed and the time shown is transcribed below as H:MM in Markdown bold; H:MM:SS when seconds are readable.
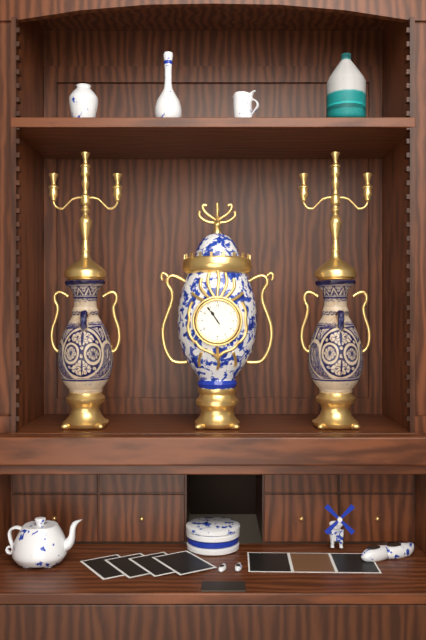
**10:54**
